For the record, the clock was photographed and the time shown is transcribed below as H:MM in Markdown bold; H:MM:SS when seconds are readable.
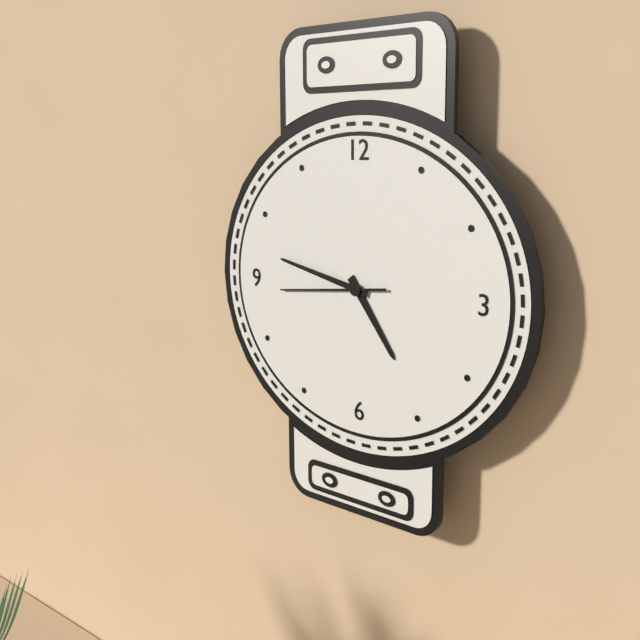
**4:47:44**
